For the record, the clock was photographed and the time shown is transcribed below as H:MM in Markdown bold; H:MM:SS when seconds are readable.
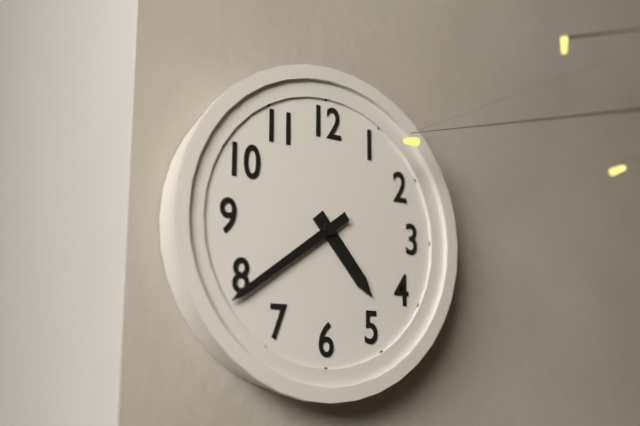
**4:39**
